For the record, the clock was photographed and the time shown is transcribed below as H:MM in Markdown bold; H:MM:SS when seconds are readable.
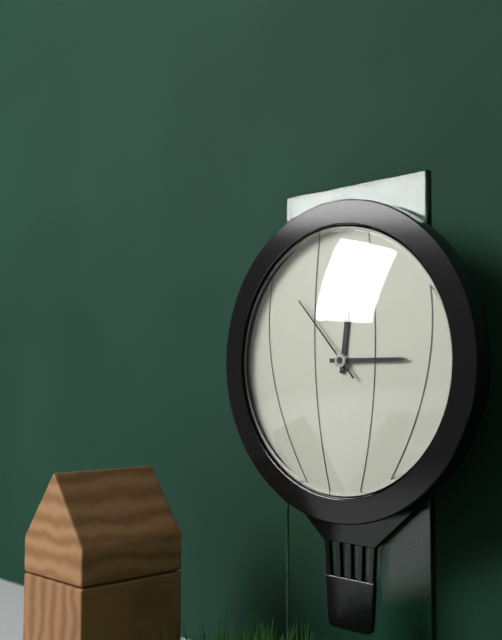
**12:15:53**
